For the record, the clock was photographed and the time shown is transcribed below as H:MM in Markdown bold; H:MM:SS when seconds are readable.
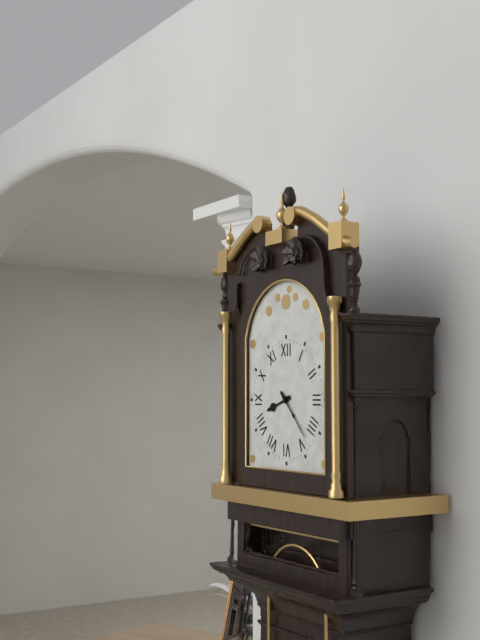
**8:23**
